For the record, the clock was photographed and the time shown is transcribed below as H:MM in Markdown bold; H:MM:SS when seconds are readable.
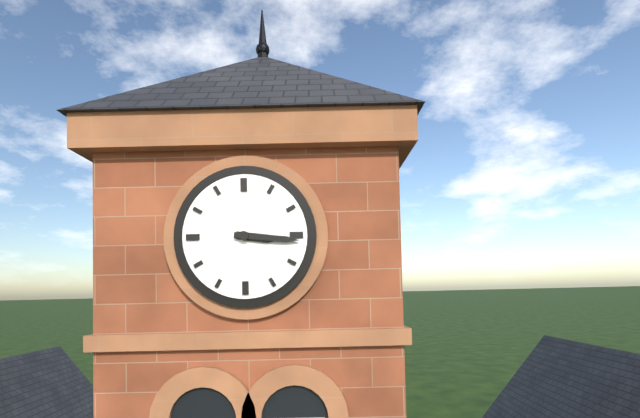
**3:16**
